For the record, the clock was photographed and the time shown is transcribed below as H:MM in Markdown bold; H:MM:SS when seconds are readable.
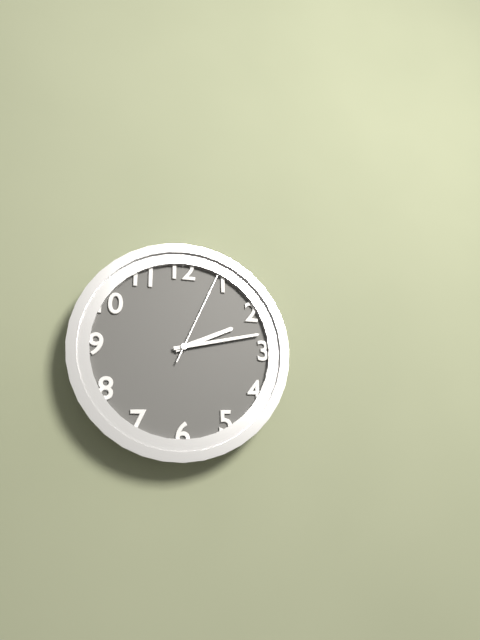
**2:13:04**
